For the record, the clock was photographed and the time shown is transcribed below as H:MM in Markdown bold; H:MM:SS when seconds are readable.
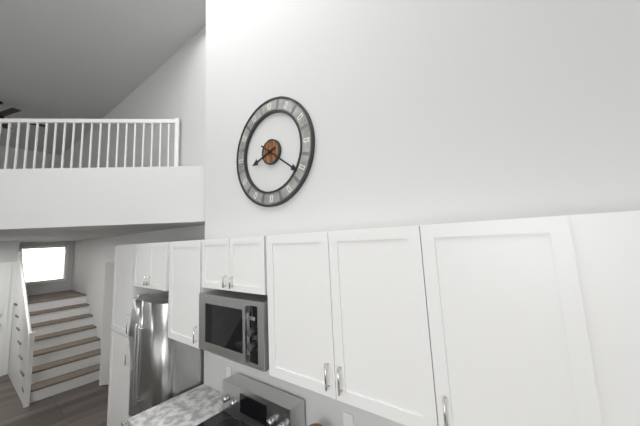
**8:21**
